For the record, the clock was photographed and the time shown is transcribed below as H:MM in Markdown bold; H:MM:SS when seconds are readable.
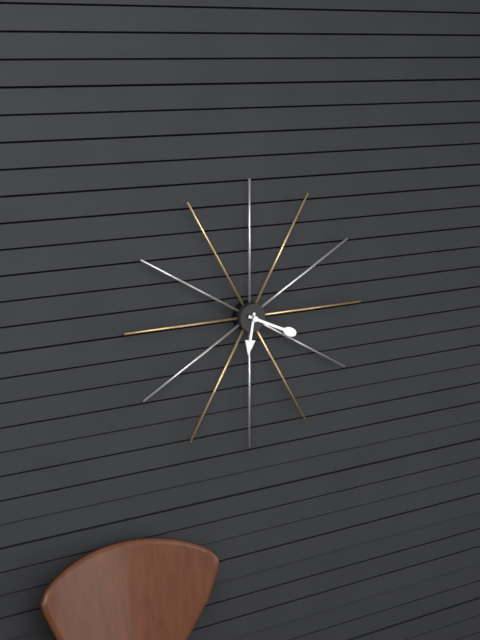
**6:19**
